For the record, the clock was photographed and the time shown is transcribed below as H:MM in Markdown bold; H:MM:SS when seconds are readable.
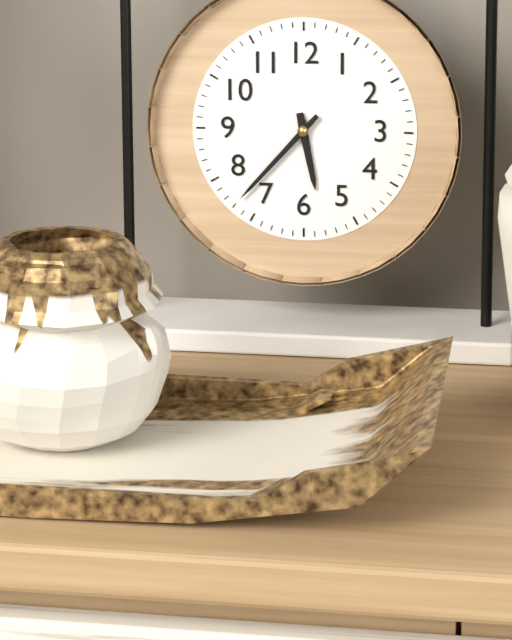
**5:37**
